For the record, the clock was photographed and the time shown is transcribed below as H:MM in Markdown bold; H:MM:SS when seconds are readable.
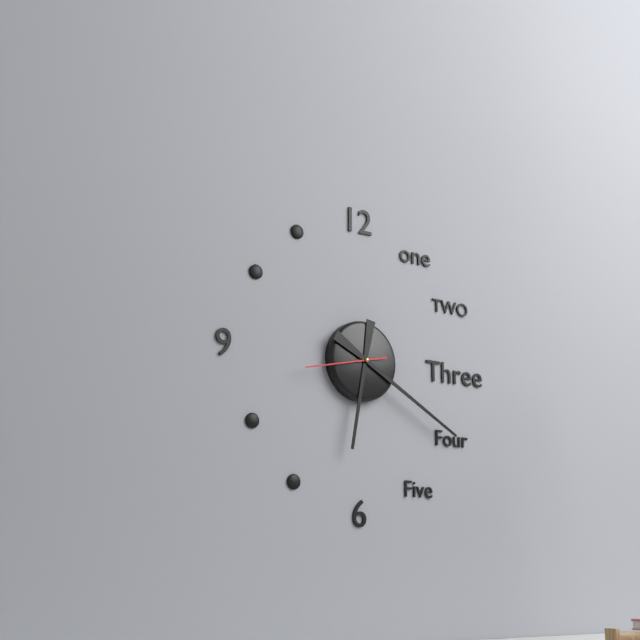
**6:20:43**
